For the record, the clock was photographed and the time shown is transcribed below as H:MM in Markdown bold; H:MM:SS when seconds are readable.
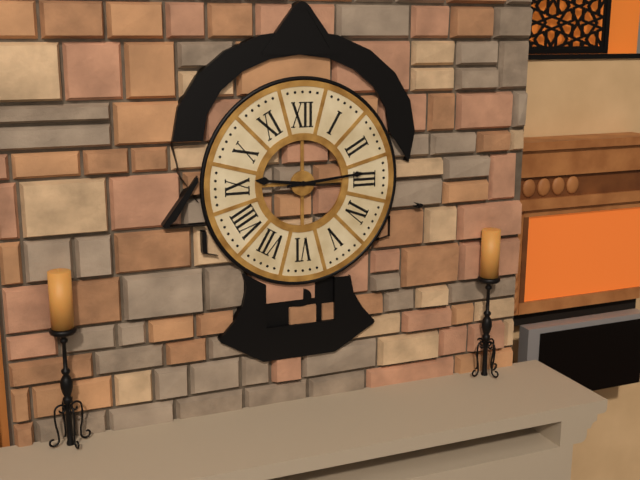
**9:14**
